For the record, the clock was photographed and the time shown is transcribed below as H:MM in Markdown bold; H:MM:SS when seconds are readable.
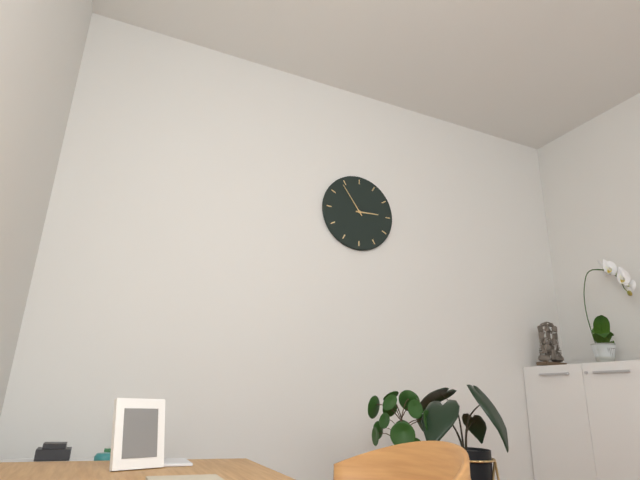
**2:54**
